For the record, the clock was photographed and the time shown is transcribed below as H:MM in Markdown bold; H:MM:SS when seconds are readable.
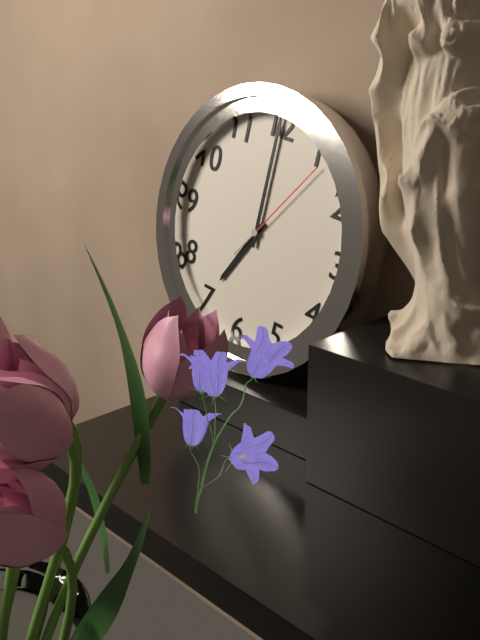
**7:00:06**
